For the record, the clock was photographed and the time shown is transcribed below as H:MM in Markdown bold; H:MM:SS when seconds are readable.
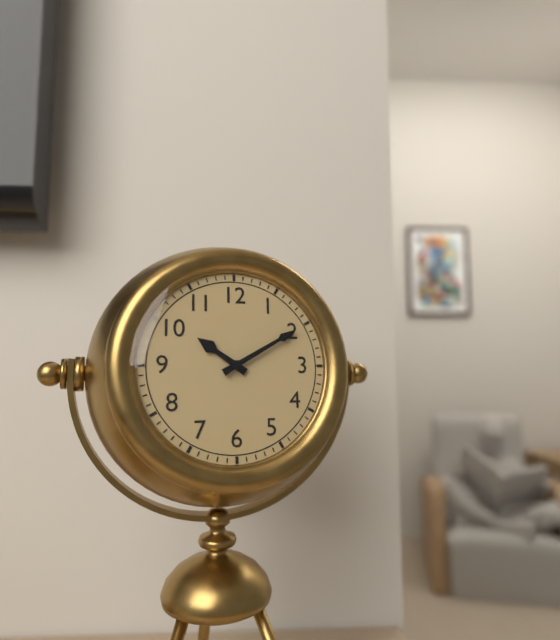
**10:10**
